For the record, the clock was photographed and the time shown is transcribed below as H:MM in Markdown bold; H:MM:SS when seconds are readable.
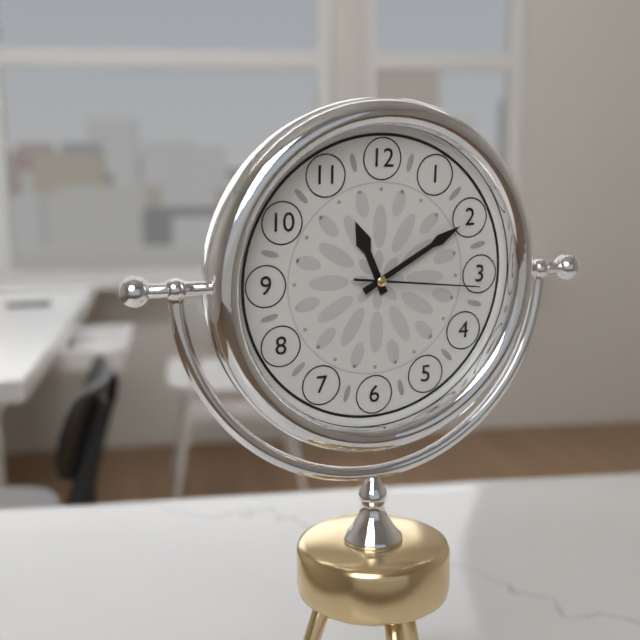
**11:10:16**
